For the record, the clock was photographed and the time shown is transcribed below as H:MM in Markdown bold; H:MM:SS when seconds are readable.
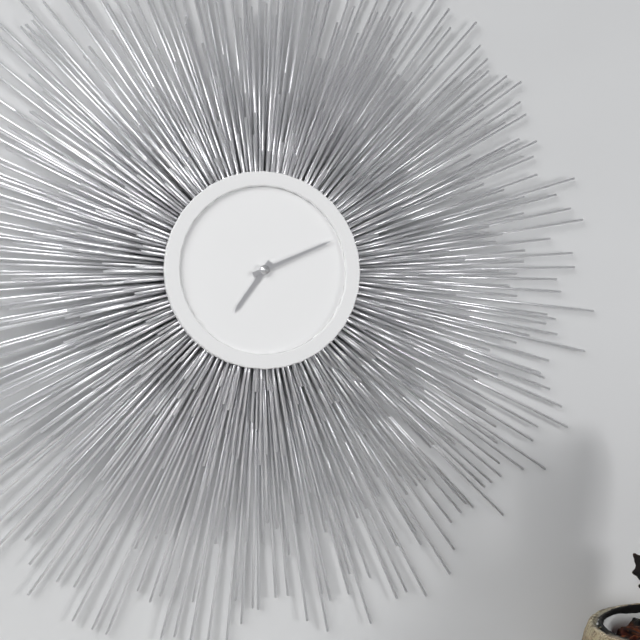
**7:11**
